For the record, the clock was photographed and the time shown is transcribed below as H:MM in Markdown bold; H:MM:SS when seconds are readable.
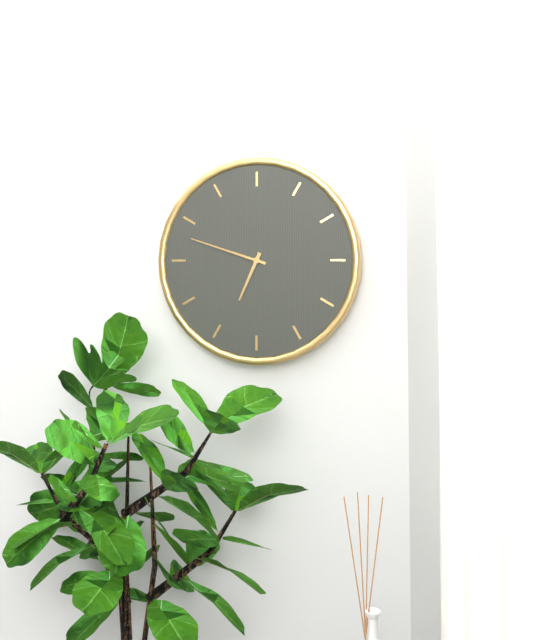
**6:48**
